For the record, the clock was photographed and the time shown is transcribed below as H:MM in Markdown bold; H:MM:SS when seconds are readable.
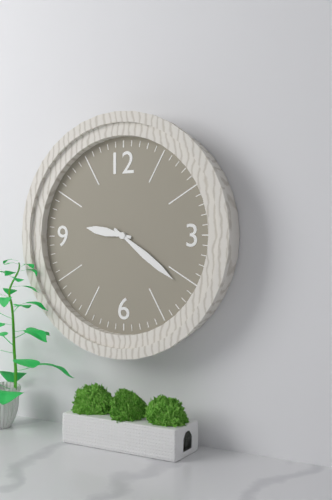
**9:21**
